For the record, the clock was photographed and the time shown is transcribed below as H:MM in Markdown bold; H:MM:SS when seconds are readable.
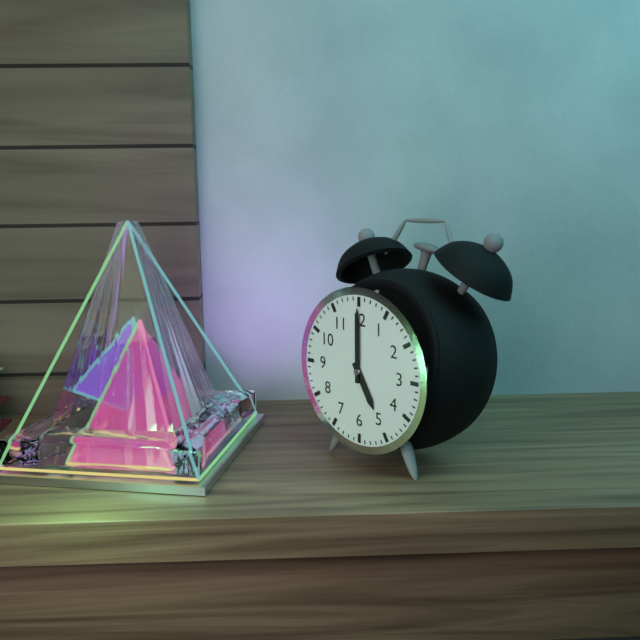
**5:00**
